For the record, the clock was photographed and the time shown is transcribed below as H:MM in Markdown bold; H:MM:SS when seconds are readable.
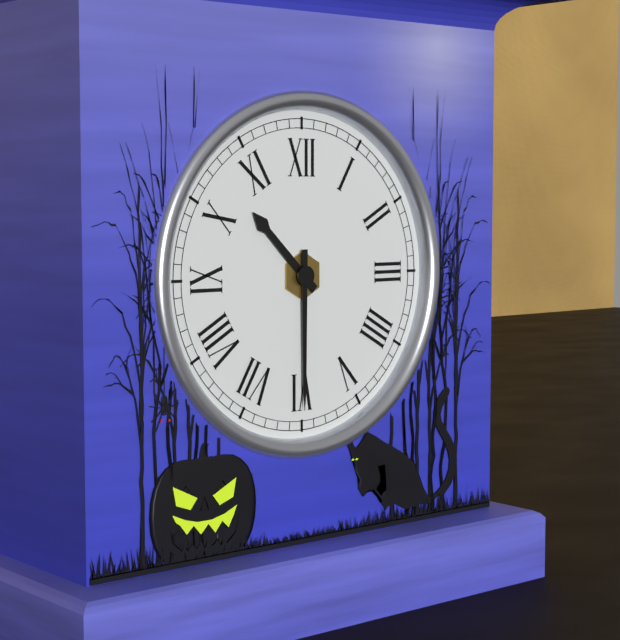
**10:30**
